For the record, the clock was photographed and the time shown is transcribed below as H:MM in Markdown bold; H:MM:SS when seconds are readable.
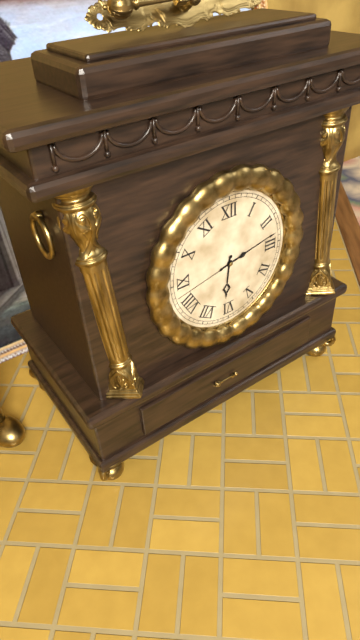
**6:13:43**
